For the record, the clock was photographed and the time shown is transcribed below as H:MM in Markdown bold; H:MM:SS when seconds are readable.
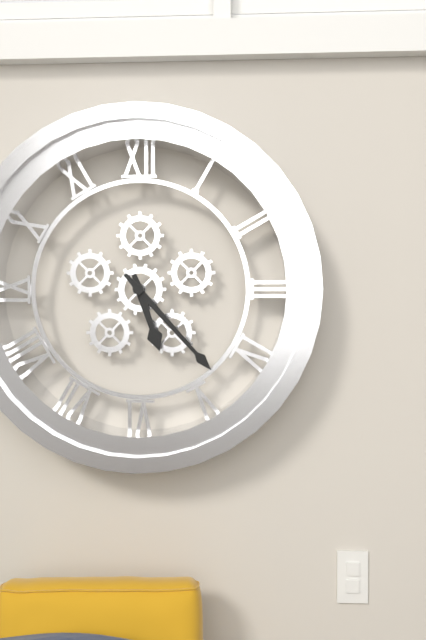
**5:23**
